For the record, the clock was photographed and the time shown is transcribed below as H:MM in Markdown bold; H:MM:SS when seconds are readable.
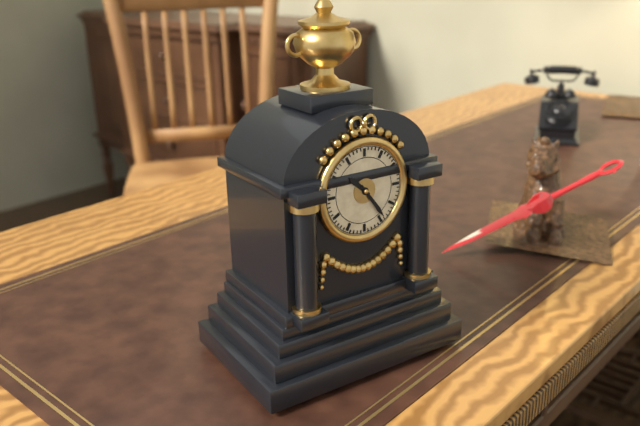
**10:24**
